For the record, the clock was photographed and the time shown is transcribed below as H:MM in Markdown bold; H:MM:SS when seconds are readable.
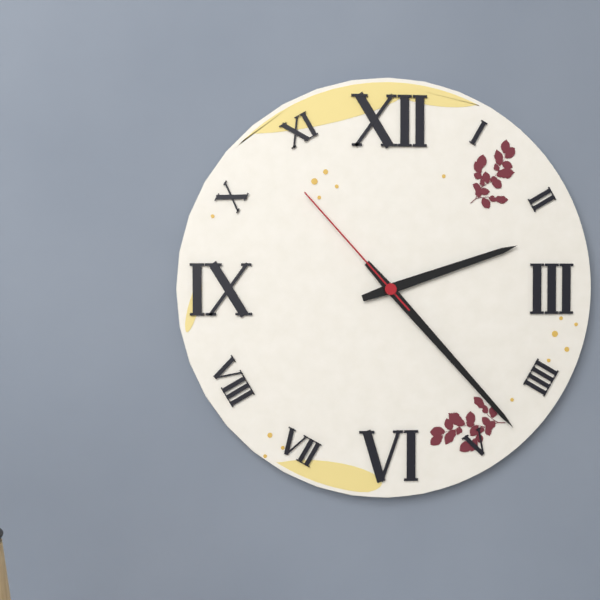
**2:23:53**
